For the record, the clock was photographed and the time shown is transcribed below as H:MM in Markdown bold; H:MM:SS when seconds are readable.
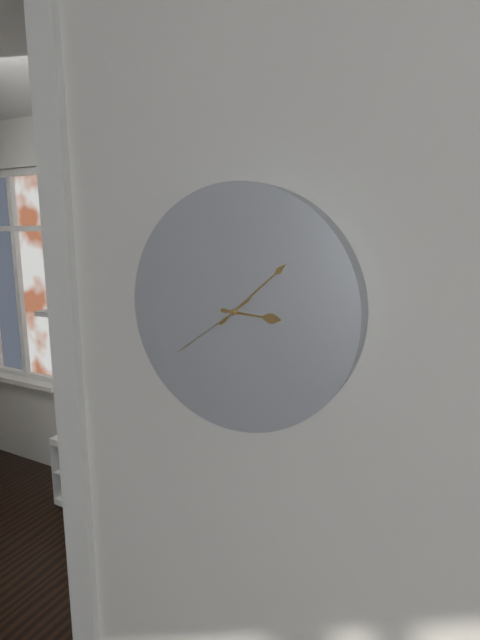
**3:08:39**
